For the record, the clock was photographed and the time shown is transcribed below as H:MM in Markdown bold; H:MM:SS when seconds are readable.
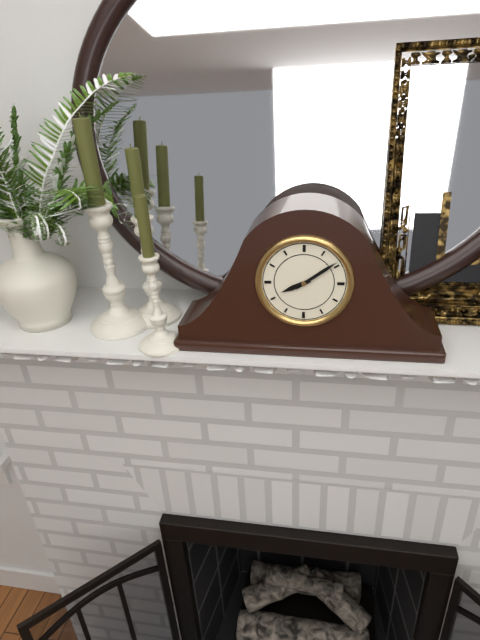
**8:09**
